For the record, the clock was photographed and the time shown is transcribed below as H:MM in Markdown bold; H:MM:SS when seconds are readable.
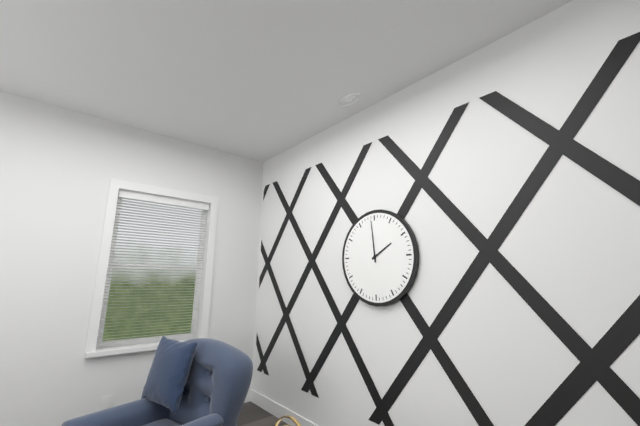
**1:59**
